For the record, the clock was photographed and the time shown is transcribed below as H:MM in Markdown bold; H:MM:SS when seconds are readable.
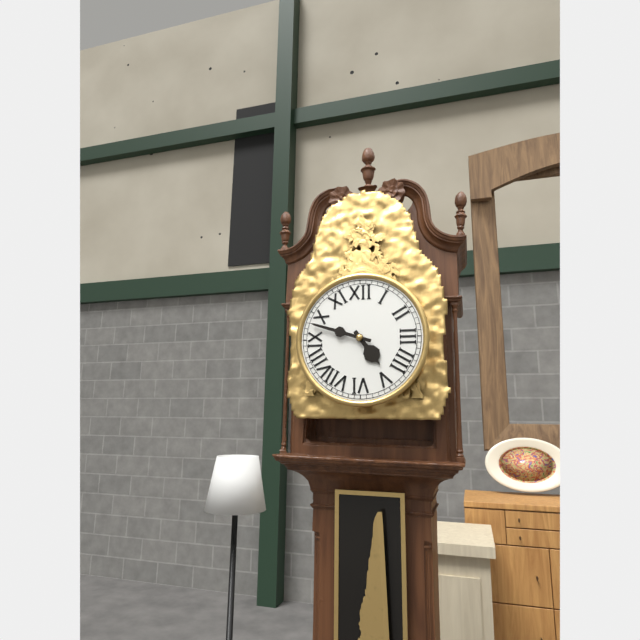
**4:48**
